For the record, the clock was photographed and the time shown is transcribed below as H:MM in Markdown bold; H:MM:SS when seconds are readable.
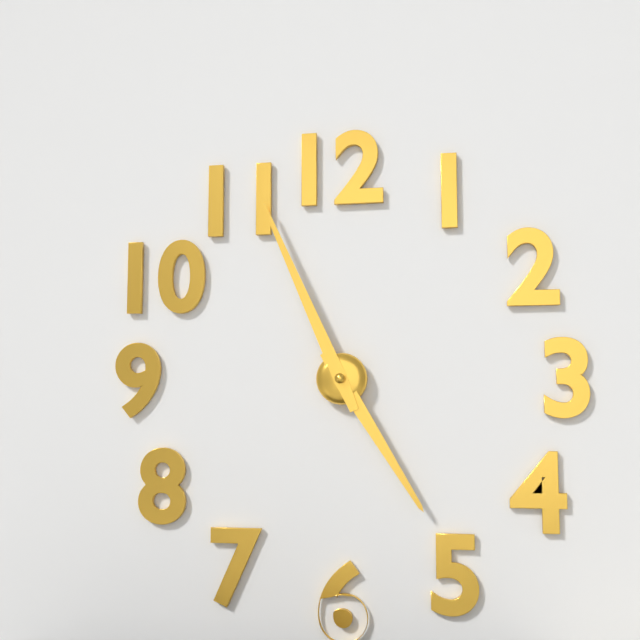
**4:56**
